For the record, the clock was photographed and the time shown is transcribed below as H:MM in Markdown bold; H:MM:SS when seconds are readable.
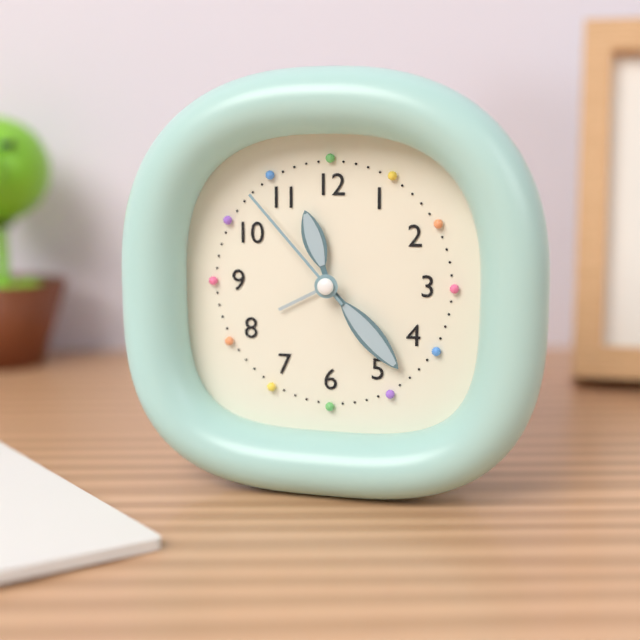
**11:23:53**
